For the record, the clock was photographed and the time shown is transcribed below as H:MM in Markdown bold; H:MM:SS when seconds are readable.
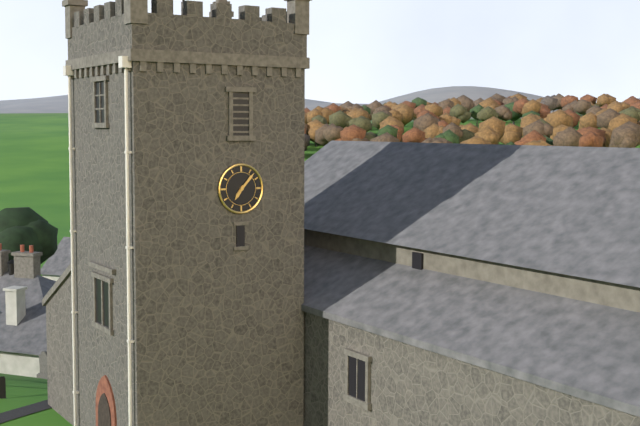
**7:07**
